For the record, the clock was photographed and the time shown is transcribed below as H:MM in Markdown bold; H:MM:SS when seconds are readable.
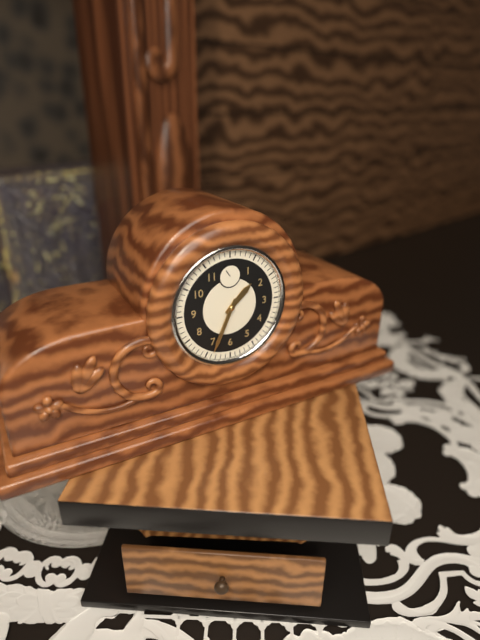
**1:34**
